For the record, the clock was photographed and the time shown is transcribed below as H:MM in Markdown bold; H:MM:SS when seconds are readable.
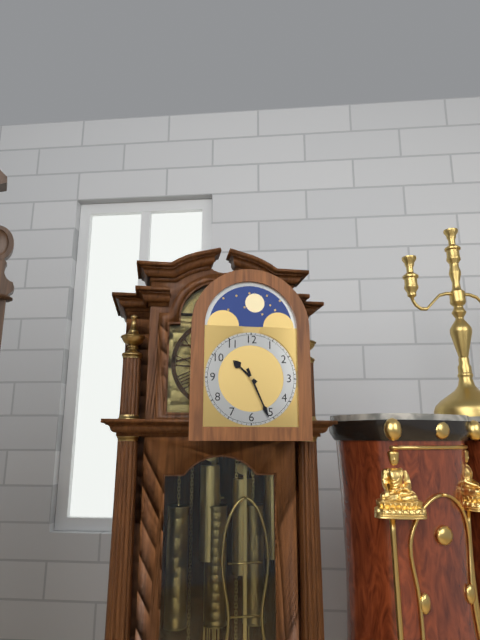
**10:26**
